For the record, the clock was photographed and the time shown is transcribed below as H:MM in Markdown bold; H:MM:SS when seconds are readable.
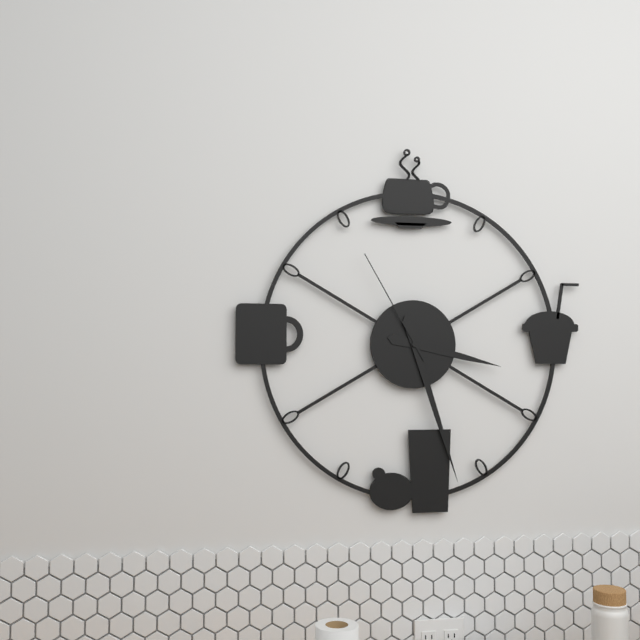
**3:27:55**
